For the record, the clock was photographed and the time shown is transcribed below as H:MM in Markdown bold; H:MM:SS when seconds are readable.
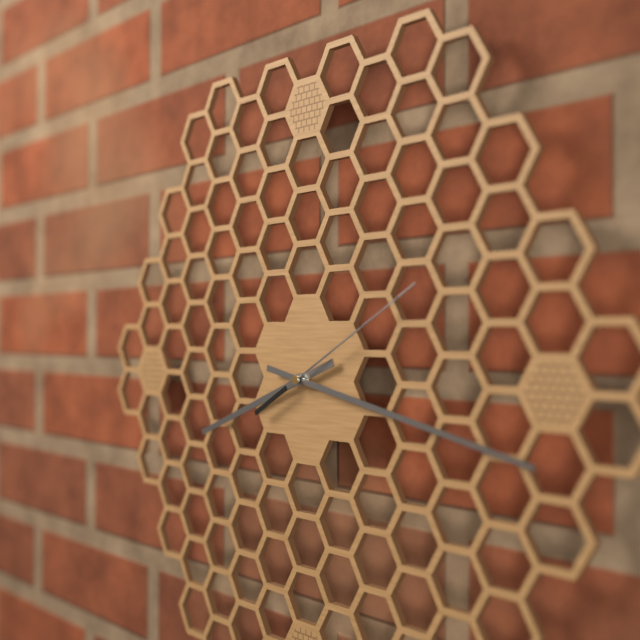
**8:17:10**
